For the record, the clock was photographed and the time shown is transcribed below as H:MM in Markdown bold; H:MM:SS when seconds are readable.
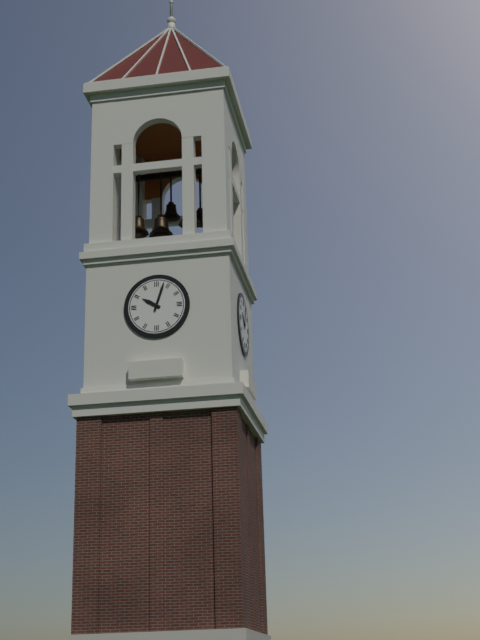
**10:03**
